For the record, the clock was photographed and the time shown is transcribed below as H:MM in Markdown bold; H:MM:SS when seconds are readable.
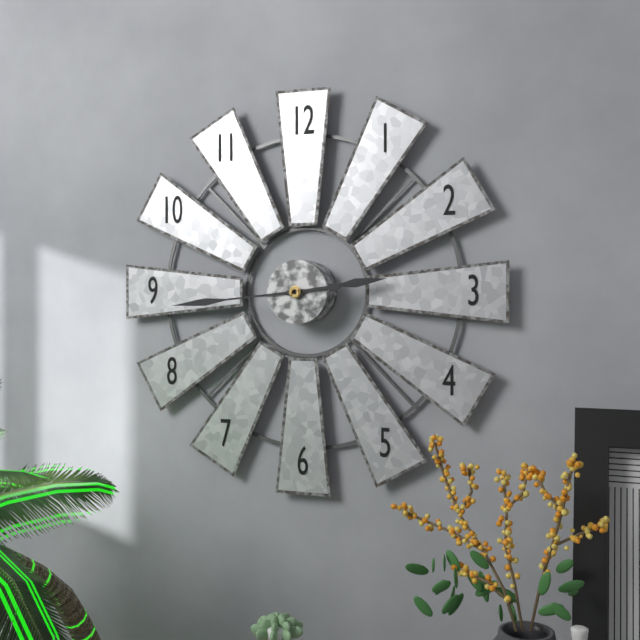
**2:44**
